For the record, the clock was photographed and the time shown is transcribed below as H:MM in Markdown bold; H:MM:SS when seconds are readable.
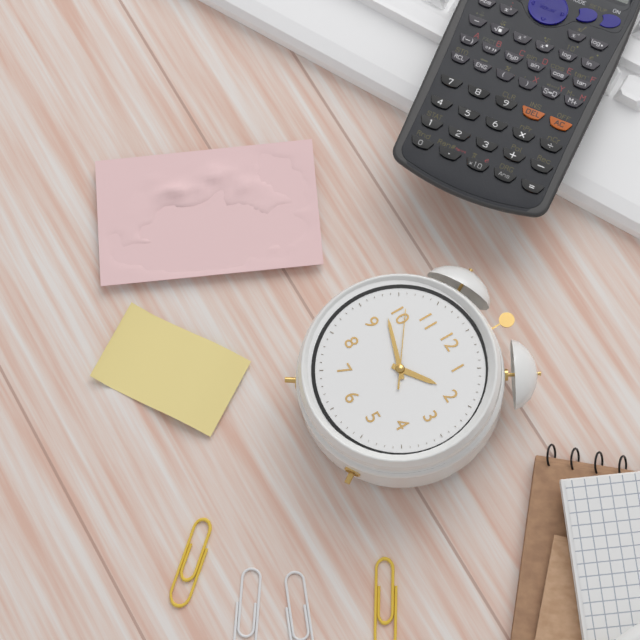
**1:48:51**
